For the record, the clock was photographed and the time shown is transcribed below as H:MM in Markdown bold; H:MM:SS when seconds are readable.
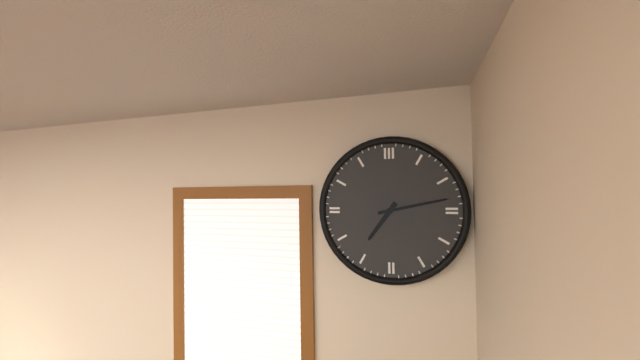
**7:13**
